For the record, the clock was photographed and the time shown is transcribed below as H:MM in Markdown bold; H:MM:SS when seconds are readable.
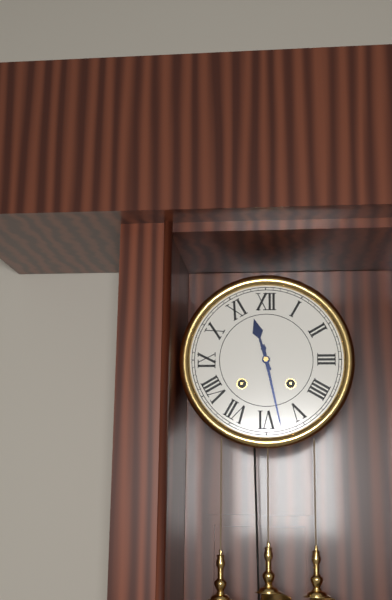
**11:28**
